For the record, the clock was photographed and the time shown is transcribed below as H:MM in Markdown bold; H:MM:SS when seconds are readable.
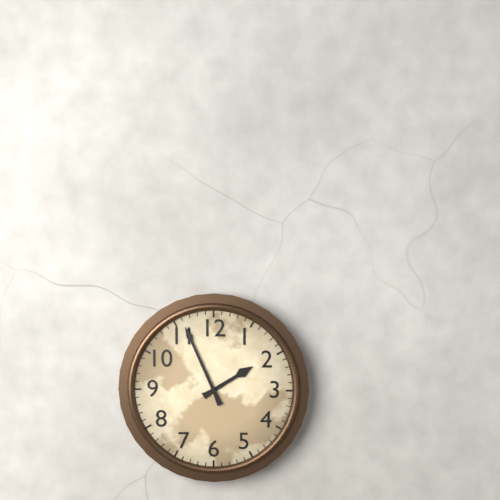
**1:56**
